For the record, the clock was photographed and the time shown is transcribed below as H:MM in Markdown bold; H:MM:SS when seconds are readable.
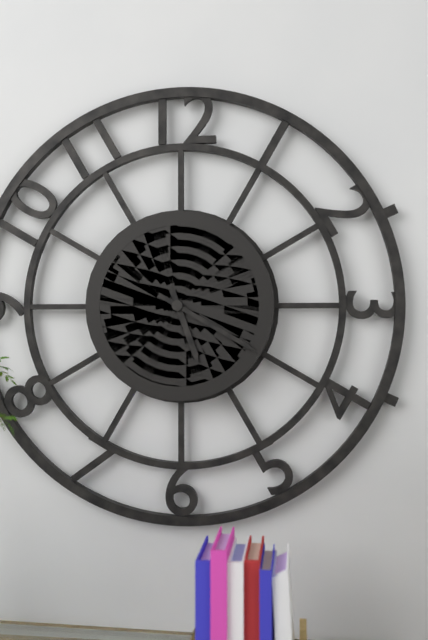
**5:20**
